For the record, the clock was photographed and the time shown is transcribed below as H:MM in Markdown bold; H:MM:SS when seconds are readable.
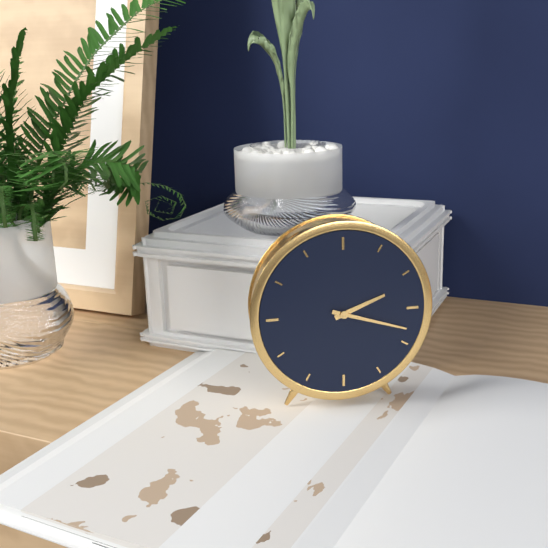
**2:18**
